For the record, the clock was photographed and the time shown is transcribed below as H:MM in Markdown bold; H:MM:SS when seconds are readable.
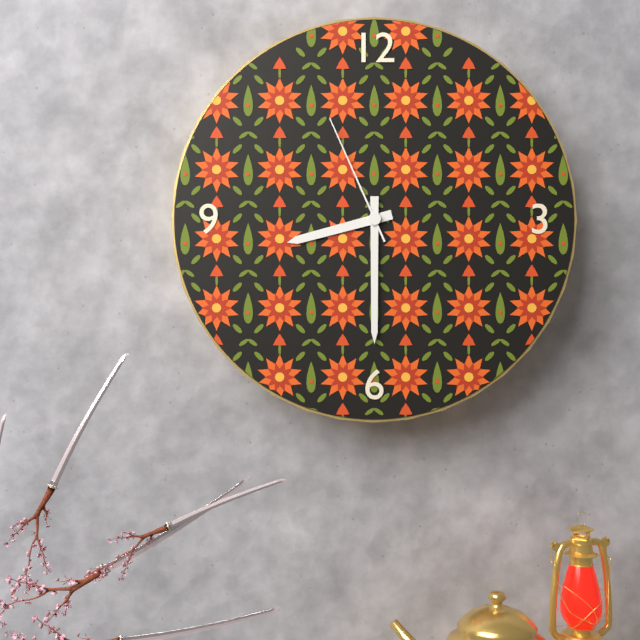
**8:30:56**
